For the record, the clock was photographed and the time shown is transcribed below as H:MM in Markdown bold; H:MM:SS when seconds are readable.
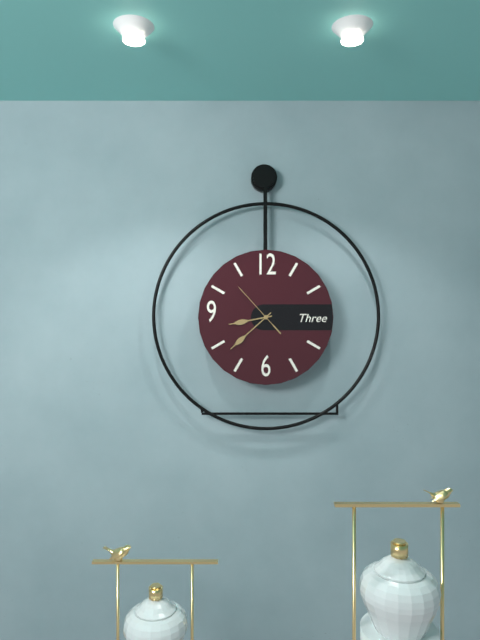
**8:38:53**
